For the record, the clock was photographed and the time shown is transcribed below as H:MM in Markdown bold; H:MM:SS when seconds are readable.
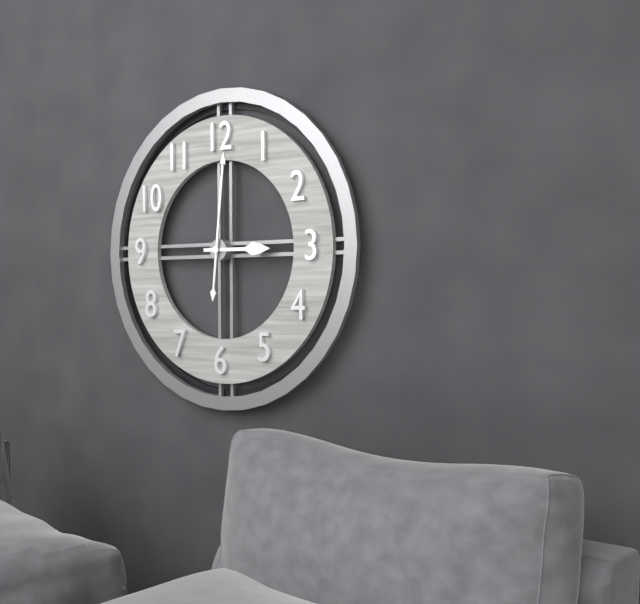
**3:01**
